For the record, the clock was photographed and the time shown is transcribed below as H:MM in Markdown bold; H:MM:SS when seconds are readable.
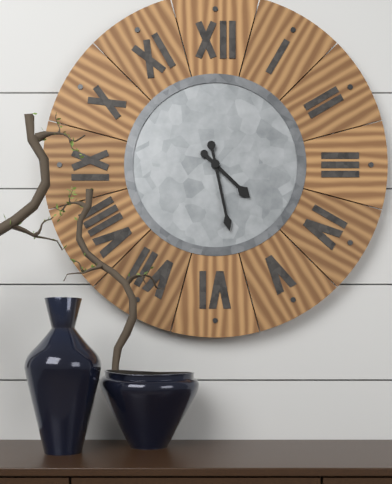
**4:28**
